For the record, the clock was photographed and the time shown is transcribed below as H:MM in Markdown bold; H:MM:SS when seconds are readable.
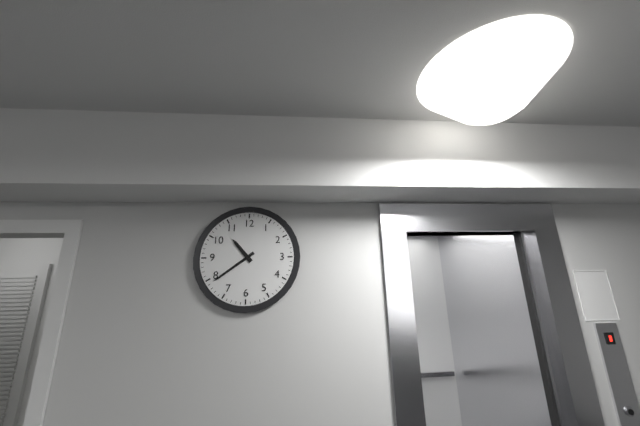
**10:39**
